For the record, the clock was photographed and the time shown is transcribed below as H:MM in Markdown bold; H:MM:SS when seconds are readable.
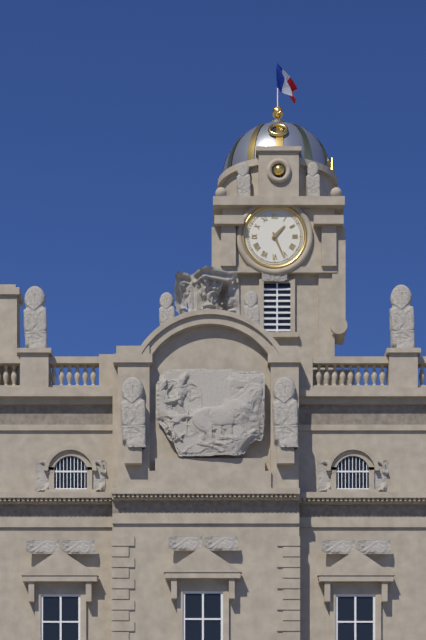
**1:26**
